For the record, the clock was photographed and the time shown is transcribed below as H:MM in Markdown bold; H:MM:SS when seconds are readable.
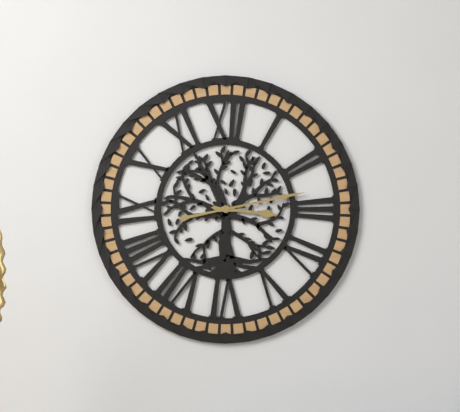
**3:13**
